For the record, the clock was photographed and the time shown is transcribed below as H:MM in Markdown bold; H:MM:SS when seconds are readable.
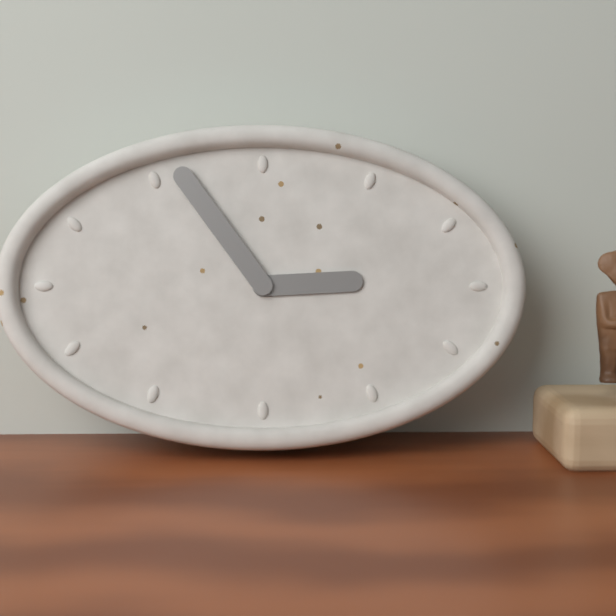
**2:54**
